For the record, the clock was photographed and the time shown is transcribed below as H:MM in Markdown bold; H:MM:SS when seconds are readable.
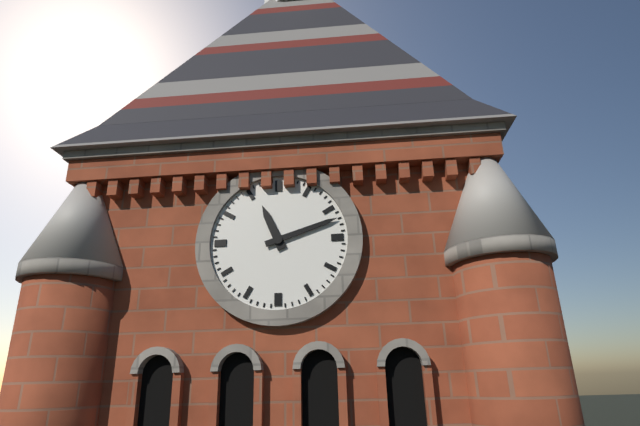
**11:12**
